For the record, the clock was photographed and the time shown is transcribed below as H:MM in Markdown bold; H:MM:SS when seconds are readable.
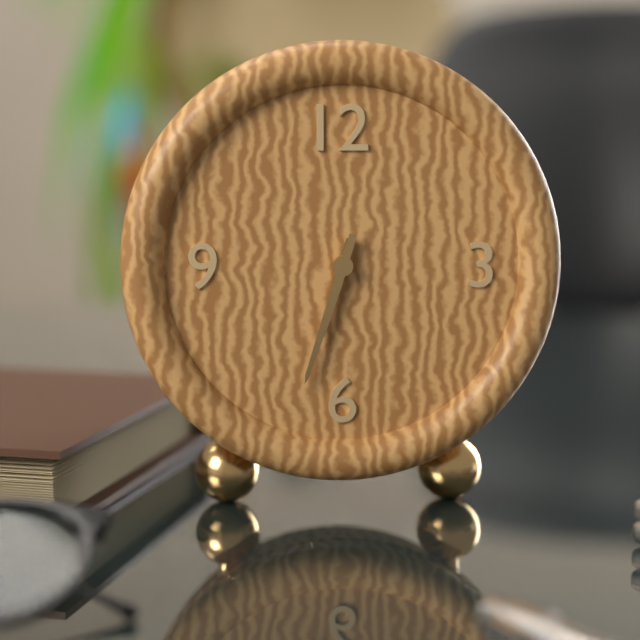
**6:33**
